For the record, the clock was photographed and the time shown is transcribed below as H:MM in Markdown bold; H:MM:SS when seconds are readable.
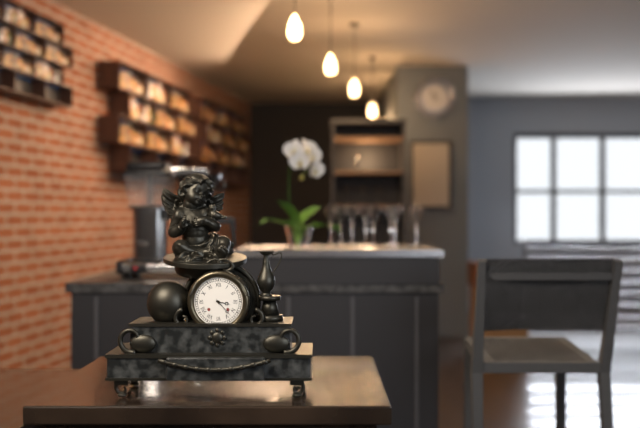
**3:23**
